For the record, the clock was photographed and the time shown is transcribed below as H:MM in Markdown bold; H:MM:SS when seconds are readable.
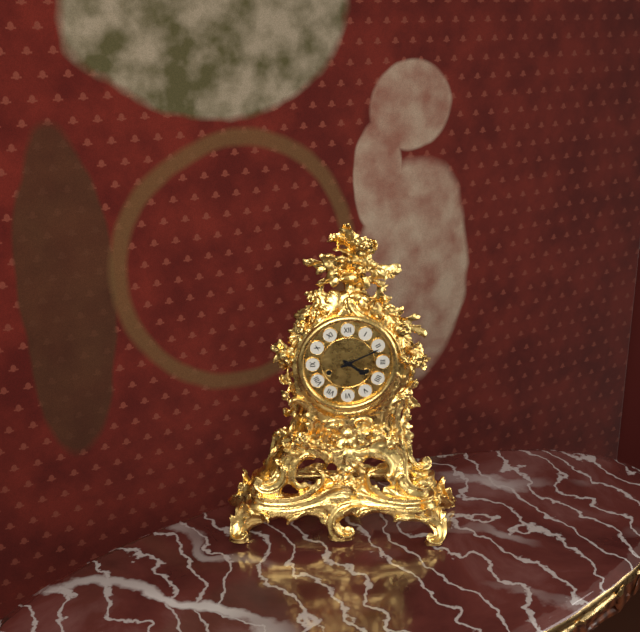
**4:11**
